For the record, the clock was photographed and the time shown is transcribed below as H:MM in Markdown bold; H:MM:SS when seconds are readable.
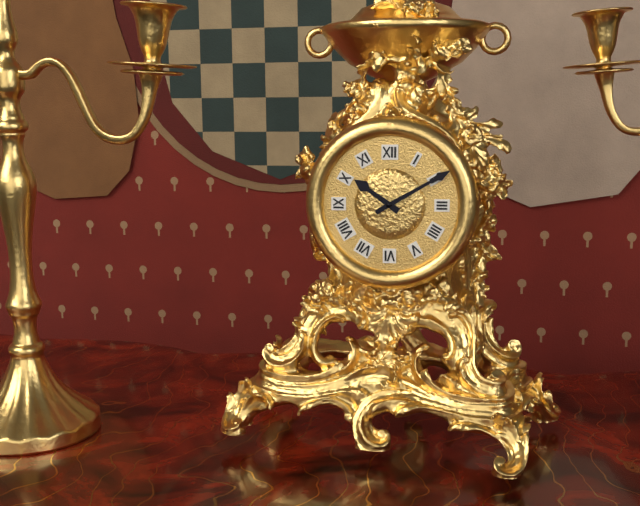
**10:10**
